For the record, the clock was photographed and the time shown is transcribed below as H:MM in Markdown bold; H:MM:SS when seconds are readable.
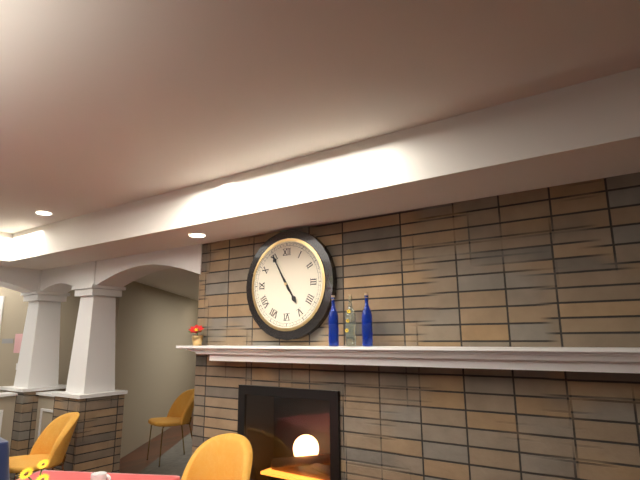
**4:55**
